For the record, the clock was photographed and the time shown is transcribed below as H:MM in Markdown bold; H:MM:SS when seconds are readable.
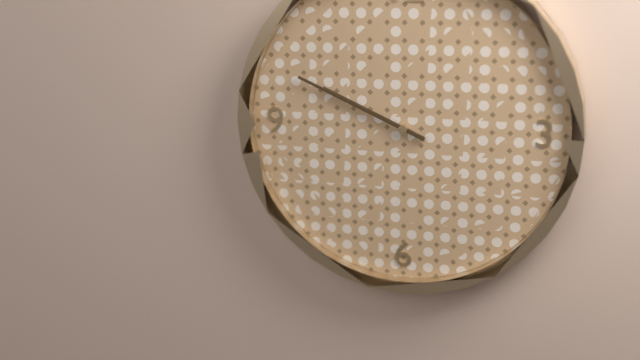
**9:49**
